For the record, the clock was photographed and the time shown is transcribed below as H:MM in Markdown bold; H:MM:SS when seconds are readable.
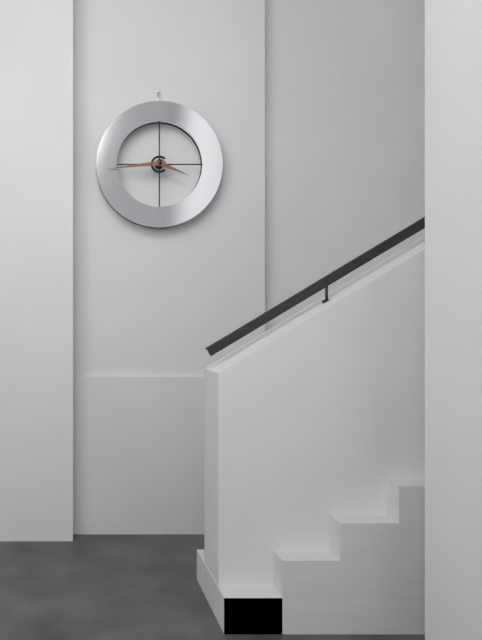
**3:44**
